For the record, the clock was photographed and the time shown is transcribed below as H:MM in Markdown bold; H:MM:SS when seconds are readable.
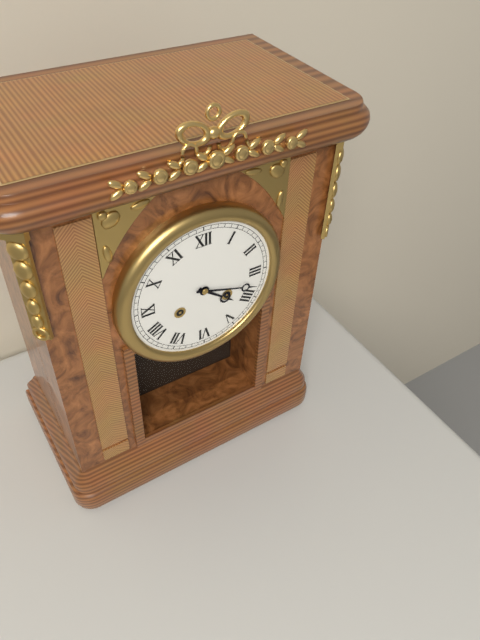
**4:18**
